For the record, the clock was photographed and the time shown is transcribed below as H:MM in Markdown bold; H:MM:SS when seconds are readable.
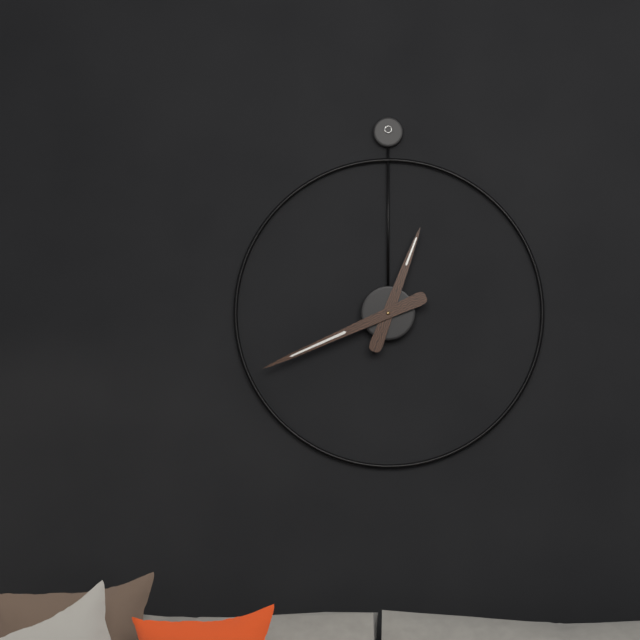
**12:41**
